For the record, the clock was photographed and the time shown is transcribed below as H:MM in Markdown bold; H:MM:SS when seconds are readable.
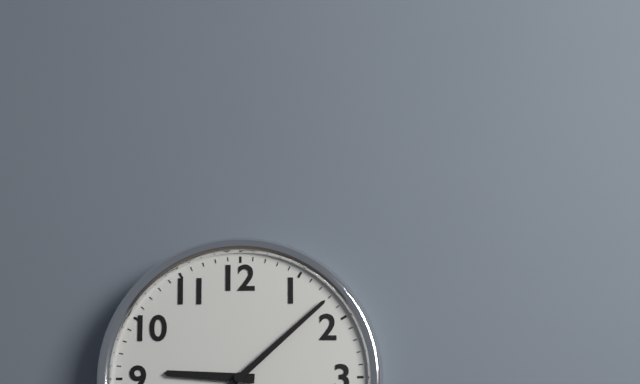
**9:08**
